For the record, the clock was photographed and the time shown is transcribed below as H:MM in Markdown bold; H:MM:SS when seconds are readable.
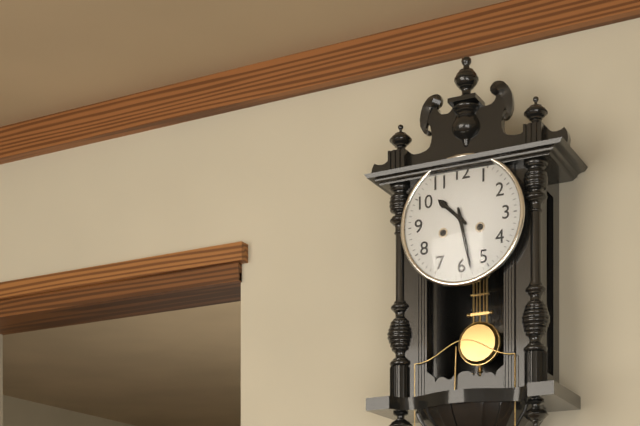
**10:28**
